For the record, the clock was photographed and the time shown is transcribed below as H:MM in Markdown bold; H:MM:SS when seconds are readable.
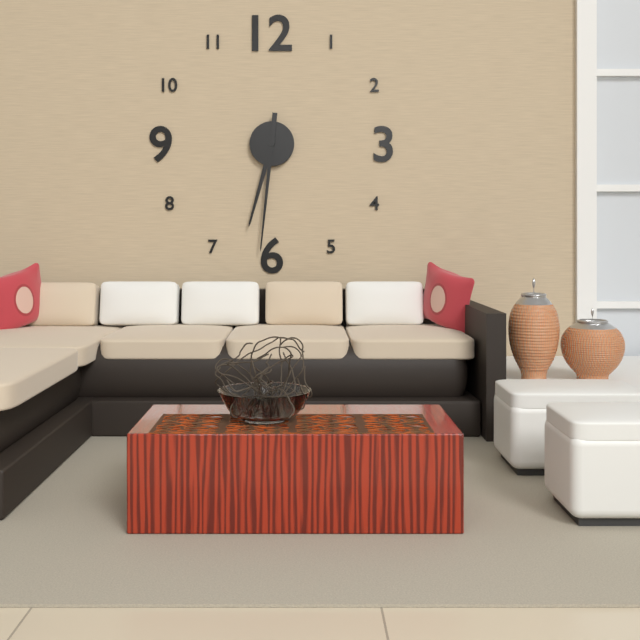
**6:31**
